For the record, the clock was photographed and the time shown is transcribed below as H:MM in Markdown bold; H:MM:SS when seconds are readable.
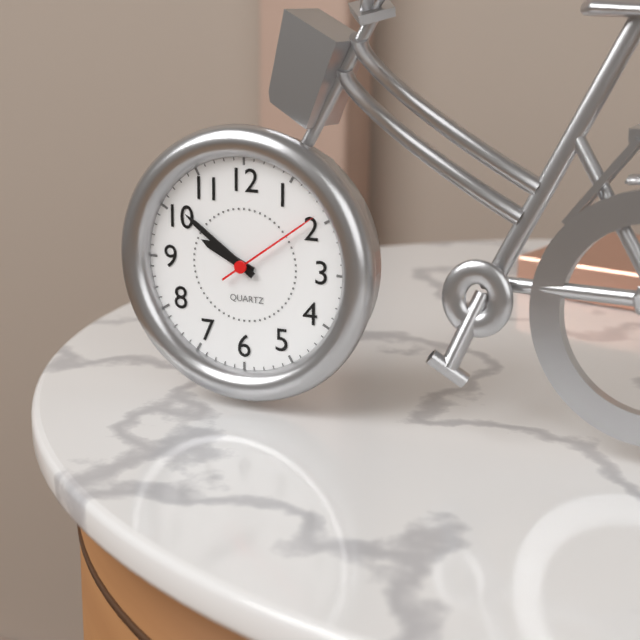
**9:51:09**
